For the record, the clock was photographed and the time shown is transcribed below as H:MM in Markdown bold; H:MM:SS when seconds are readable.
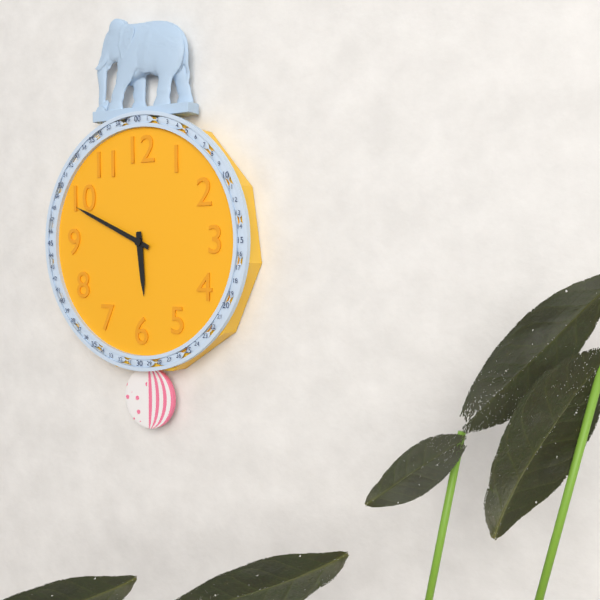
**5:49**
